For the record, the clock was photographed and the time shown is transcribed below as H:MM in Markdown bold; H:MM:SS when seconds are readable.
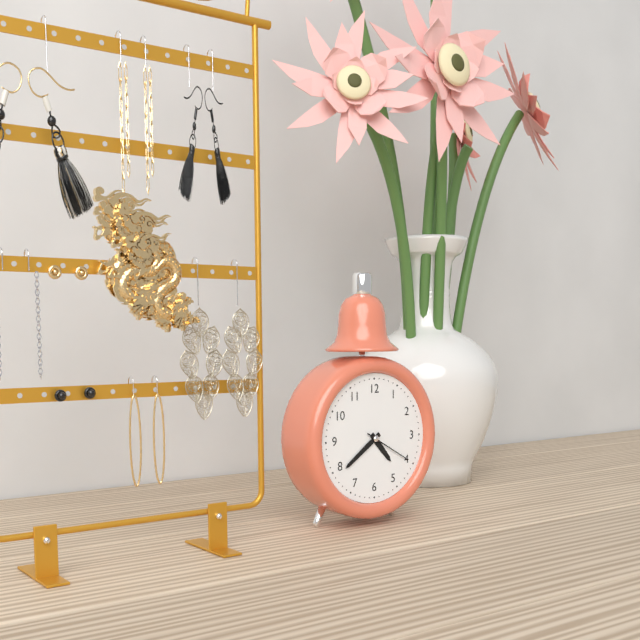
**4:39**
